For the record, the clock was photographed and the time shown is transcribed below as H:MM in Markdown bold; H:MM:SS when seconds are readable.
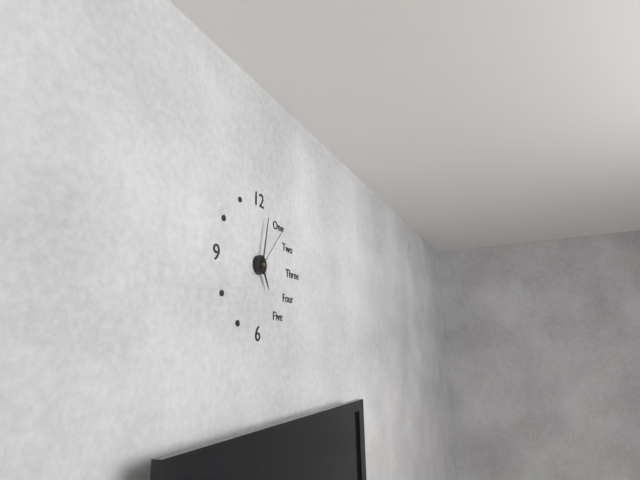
**5:02:07**
